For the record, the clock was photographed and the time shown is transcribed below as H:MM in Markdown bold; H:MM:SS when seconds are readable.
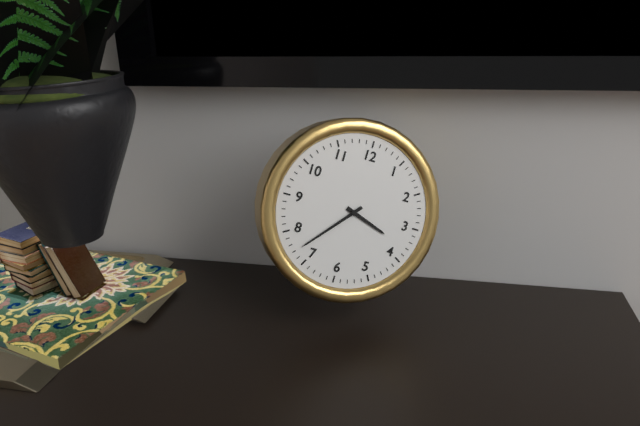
**3:37**
